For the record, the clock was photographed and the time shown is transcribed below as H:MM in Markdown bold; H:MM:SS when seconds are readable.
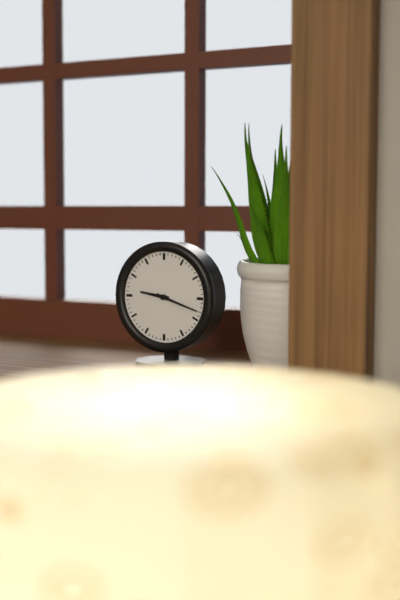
**9:18**
